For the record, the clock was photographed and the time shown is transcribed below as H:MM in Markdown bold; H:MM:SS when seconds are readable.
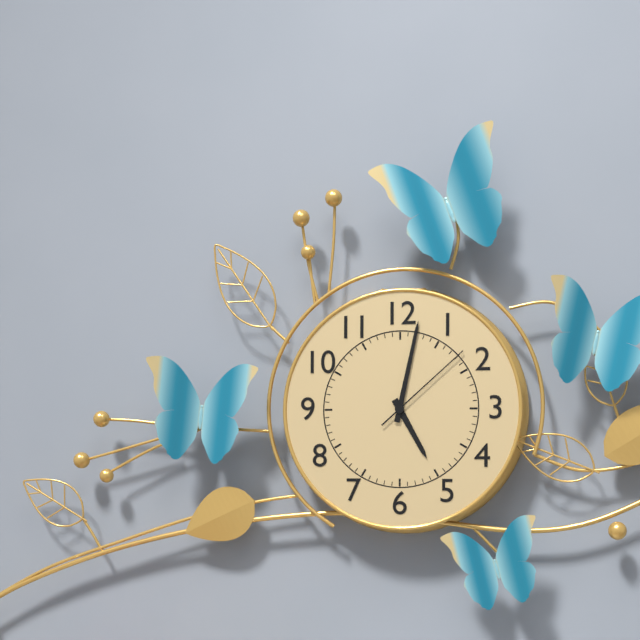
**5:02:08**
